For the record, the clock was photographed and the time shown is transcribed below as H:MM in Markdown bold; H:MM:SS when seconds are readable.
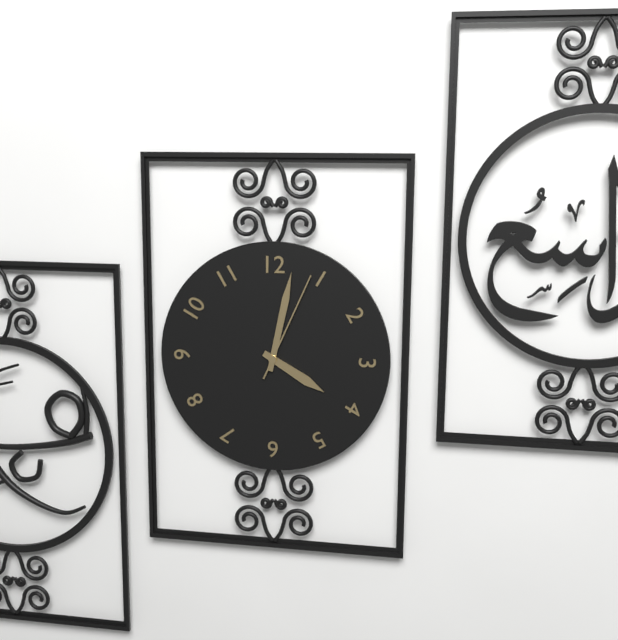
**4:02:04**
